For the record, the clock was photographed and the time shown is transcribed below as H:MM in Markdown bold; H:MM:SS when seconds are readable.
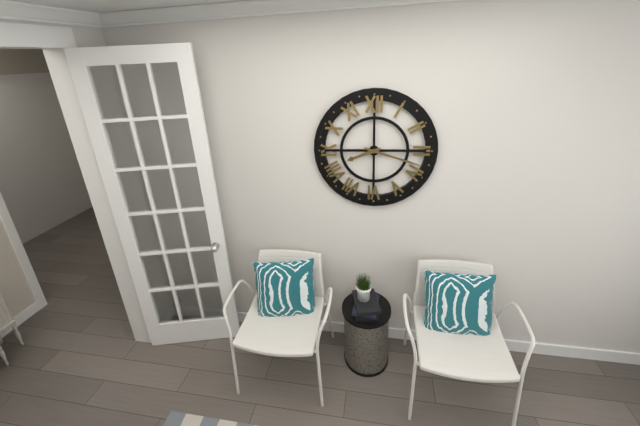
**8:18**
